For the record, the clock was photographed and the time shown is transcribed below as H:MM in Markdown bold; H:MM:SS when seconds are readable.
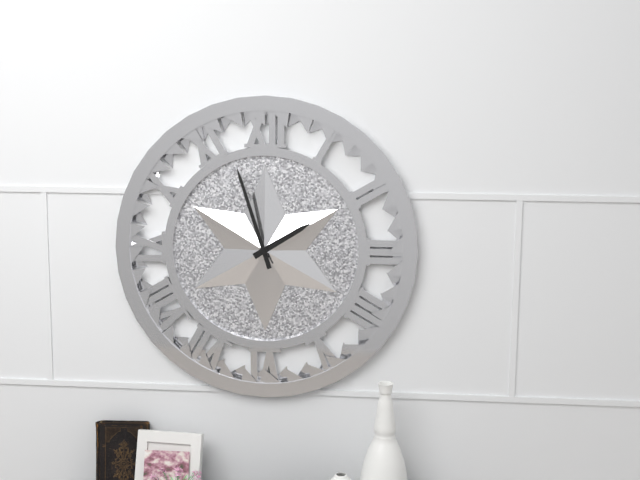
**1:57**
